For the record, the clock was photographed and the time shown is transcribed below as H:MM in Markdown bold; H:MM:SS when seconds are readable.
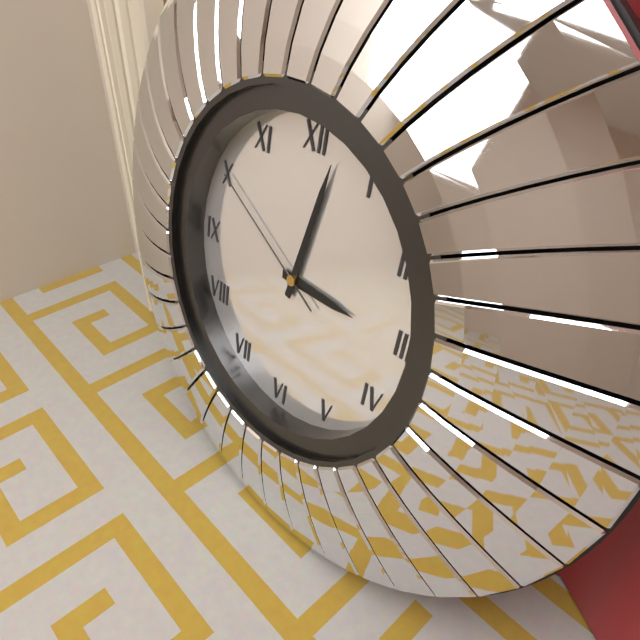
**3:02:50**
